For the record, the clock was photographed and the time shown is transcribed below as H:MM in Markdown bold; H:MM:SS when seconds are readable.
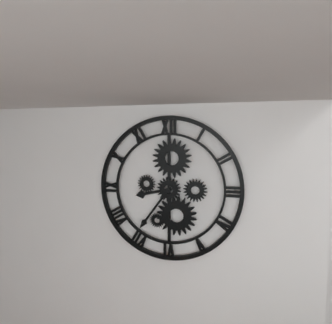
**8:36**
